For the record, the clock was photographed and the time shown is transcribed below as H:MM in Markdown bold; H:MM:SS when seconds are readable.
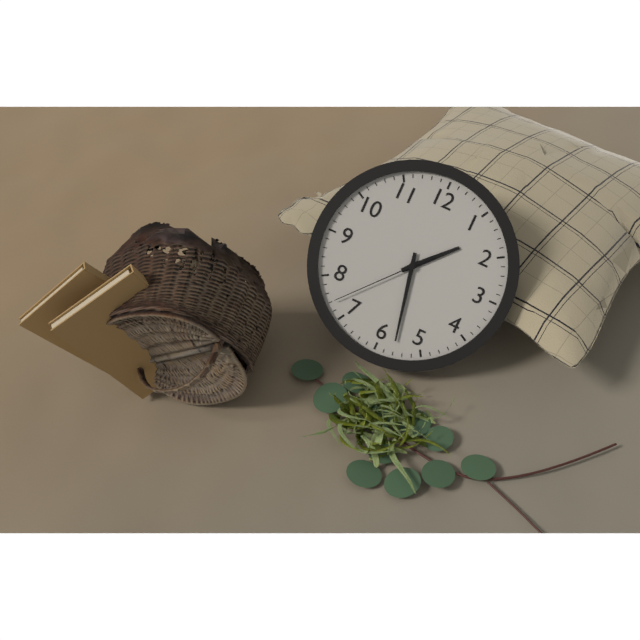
**1:28:37**
